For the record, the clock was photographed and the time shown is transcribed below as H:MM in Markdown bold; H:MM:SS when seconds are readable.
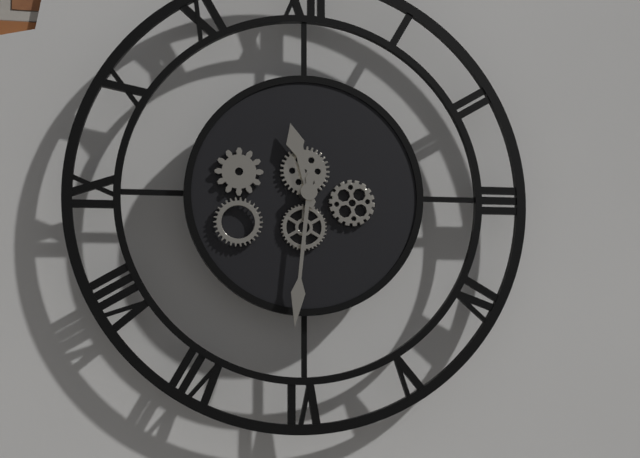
**11:31**
